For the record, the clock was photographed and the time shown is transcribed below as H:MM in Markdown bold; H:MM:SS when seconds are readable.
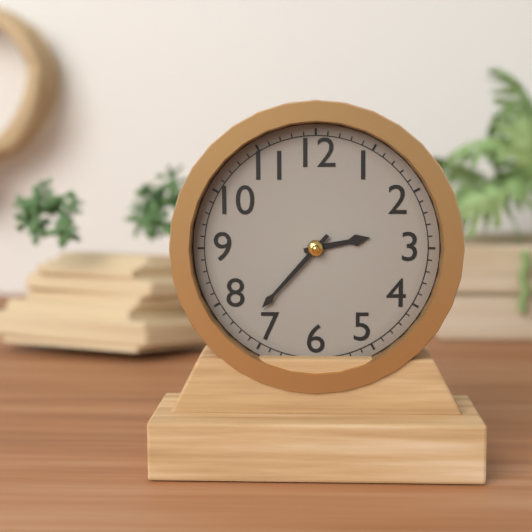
**2:37**
